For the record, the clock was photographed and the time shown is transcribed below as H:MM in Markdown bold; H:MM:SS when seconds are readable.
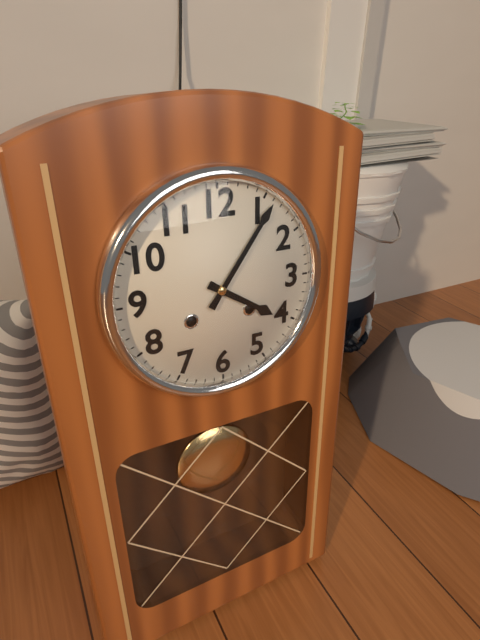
**4:06**
